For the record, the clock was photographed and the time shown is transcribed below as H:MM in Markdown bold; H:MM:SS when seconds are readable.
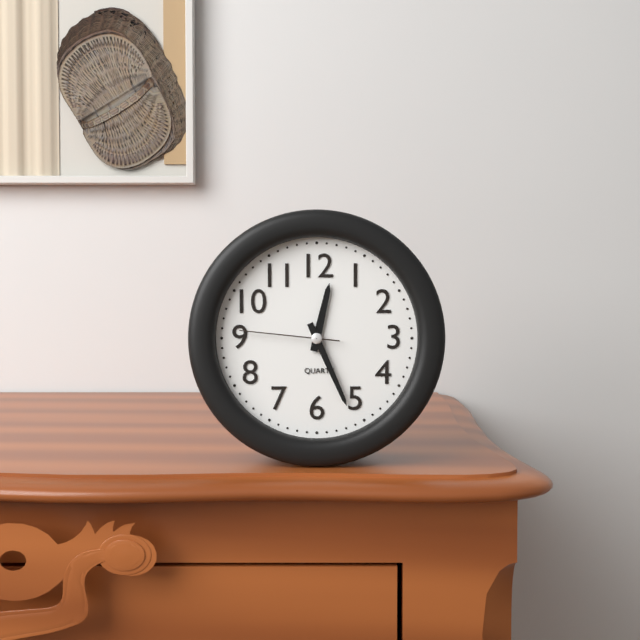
**12:26:46**
